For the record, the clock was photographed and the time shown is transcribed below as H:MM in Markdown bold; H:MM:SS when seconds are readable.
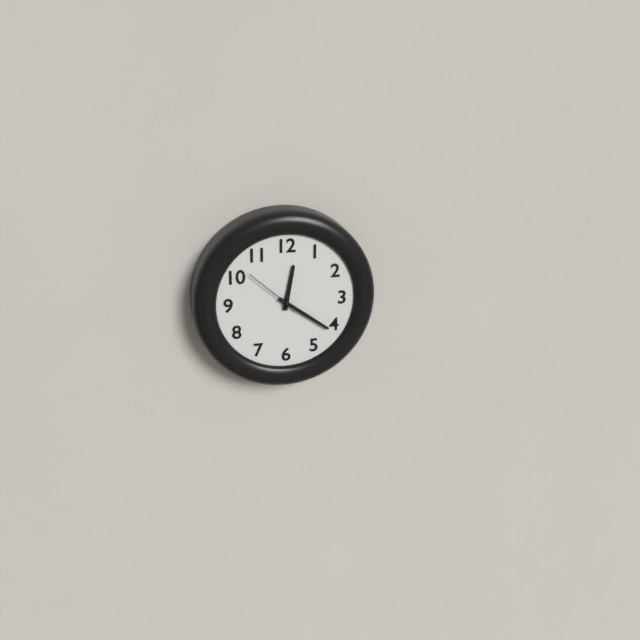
**12:21:52**
